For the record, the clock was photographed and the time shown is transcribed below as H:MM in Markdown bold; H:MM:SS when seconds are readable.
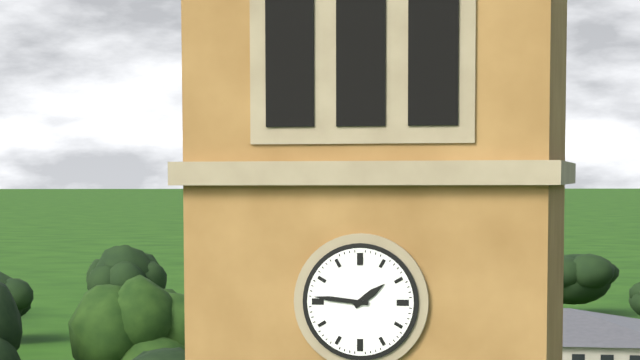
**1:46**
